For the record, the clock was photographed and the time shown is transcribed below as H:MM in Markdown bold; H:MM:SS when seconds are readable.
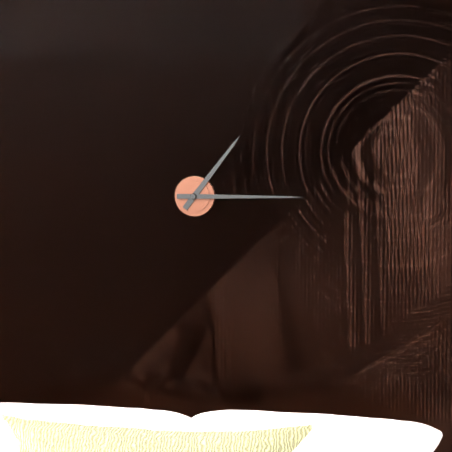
**1:15**
